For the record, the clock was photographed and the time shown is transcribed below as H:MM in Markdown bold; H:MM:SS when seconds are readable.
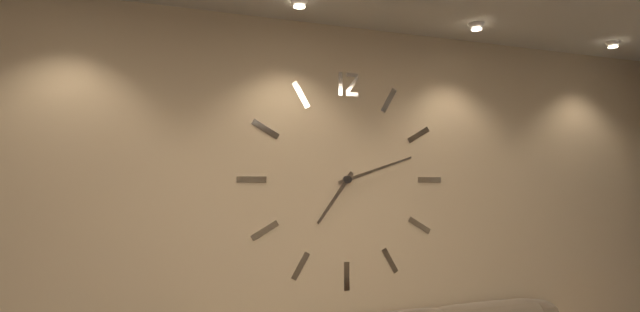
**7:12**
